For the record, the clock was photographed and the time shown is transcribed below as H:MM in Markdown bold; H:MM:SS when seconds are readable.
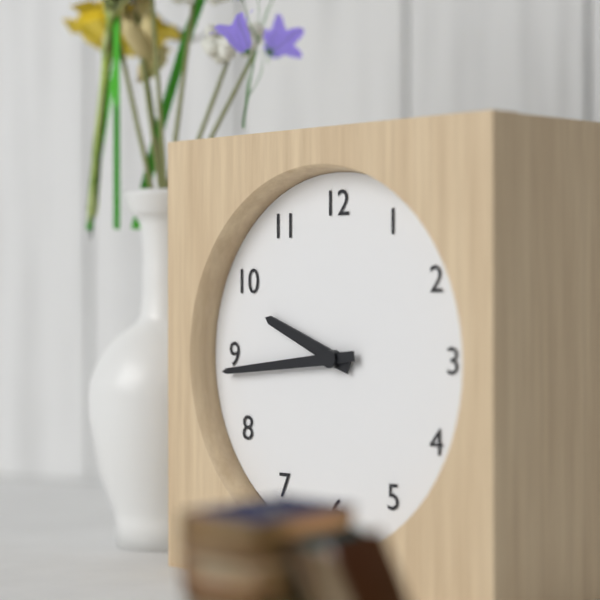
**9:44**
